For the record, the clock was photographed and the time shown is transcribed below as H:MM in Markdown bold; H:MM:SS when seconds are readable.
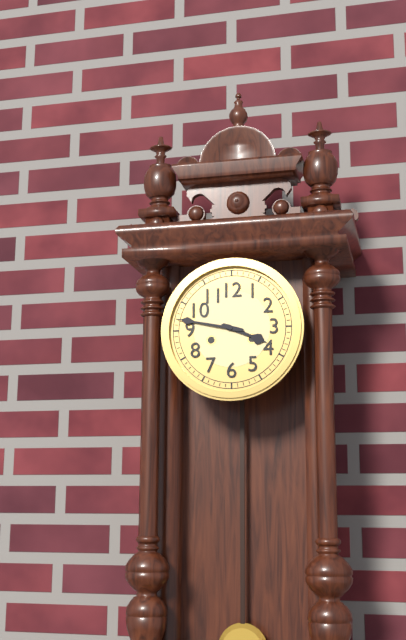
**3:47**
